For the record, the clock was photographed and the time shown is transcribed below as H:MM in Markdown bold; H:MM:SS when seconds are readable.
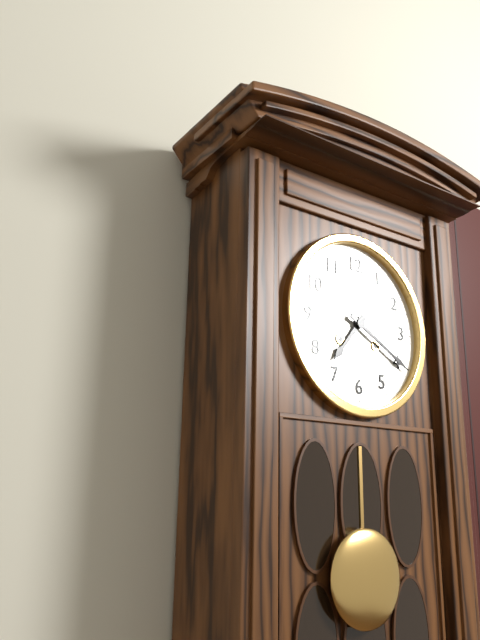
**7:20**
